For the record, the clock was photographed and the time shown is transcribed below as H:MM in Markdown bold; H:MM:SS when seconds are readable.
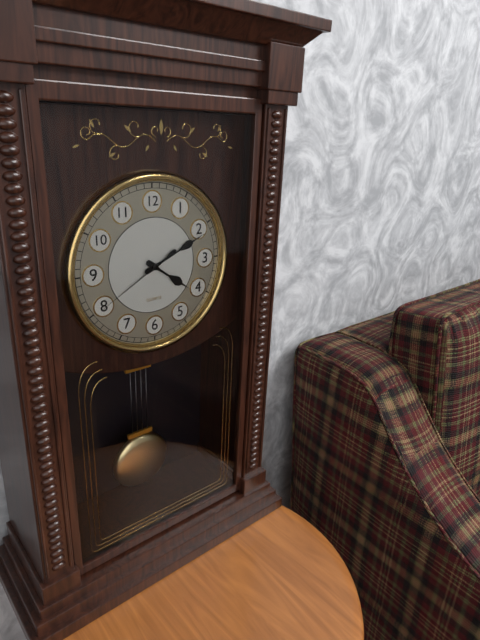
**4:11:40**
